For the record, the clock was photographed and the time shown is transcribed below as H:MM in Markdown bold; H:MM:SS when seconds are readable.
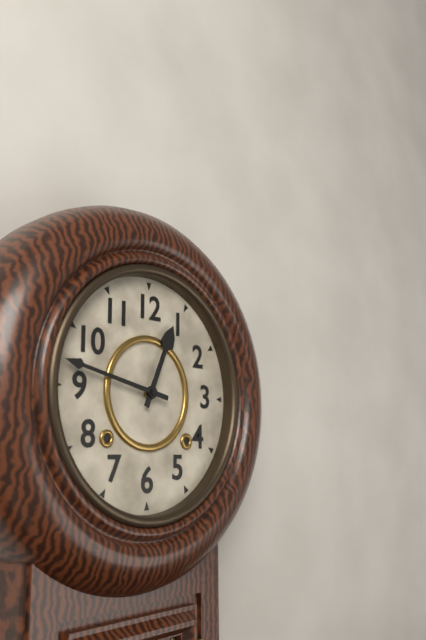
**12:47**
